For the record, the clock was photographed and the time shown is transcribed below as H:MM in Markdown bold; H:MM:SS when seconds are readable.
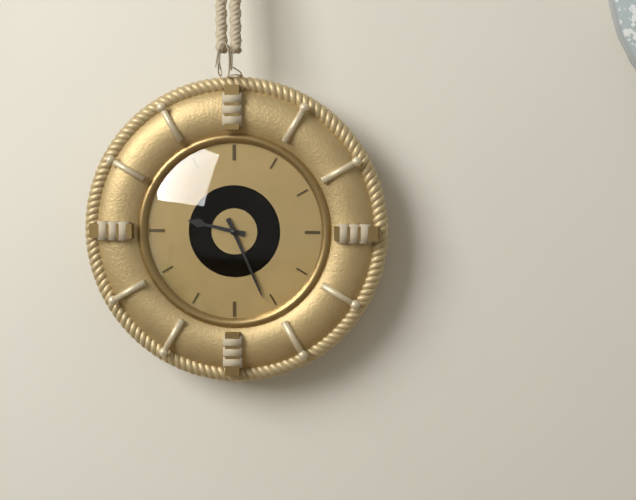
**9:26**
